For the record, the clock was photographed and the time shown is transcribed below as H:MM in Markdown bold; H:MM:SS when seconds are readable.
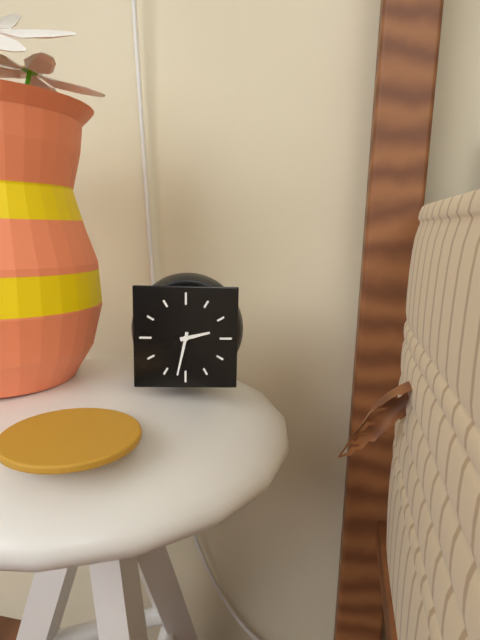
**2:32**
